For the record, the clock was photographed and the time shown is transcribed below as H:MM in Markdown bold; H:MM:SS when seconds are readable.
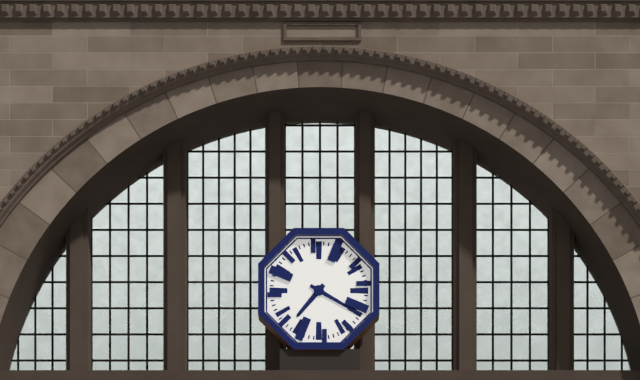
**7:20**
